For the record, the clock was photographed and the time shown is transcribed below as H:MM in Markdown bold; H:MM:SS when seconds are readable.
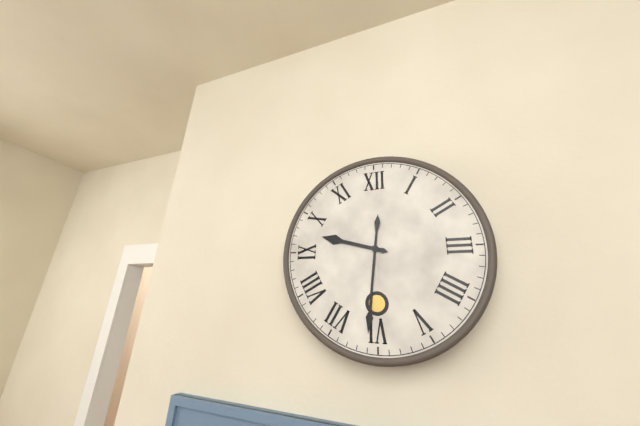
**9:31**
